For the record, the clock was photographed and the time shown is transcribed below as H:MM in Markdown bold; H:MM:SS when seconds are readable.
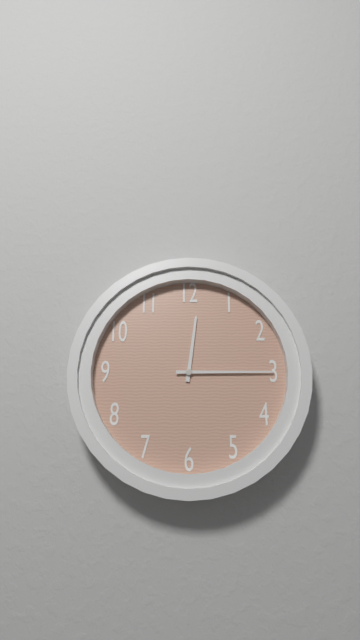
**12:15**
